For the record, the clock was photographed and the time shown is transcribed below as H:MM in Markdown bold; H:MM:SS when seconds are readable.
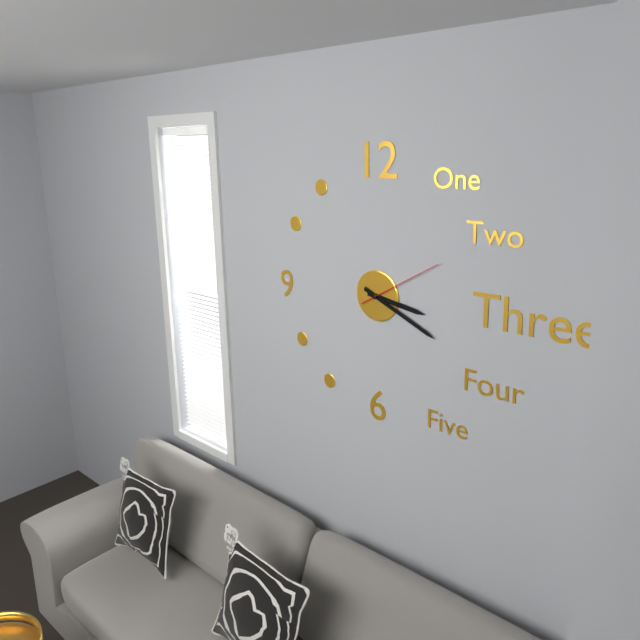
**3:19:10**
